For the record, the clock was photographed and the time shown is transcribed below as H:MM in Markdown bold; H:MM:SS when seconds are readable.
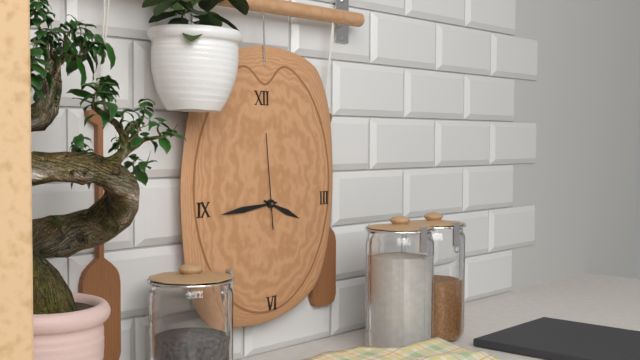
**3:44:59**
